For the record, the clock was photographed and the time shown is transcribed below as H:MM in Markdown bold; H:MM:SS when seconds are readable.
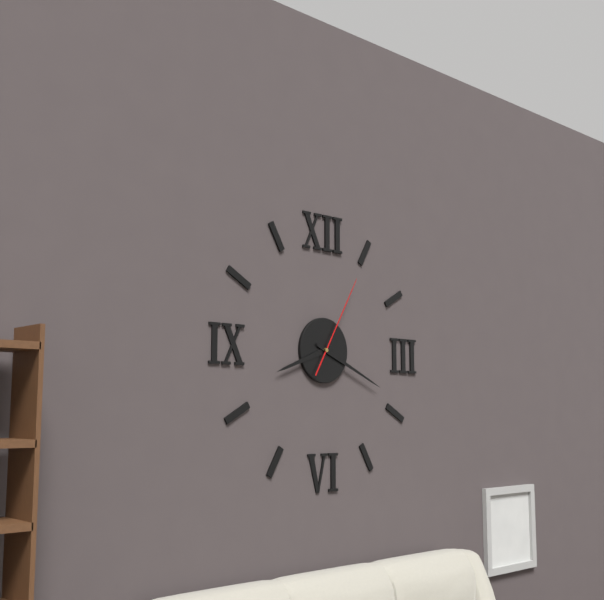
**8:19:05**
